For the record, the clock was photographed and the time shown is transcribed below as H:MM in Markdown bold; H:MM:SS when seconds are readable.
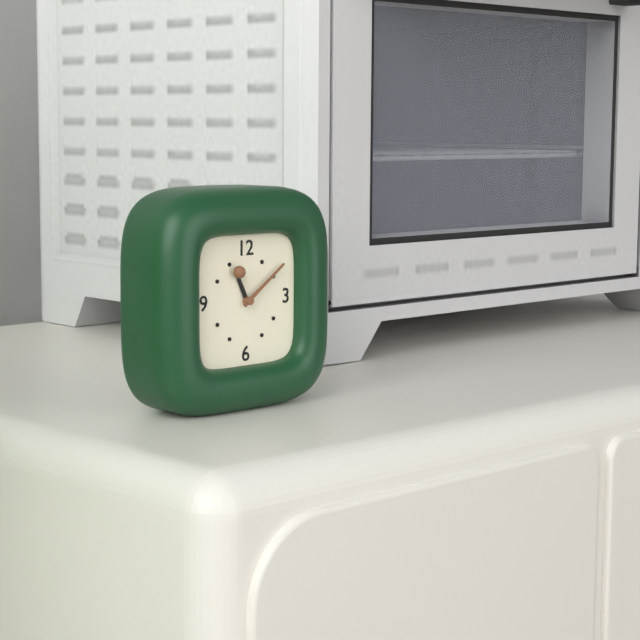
**11:09**
